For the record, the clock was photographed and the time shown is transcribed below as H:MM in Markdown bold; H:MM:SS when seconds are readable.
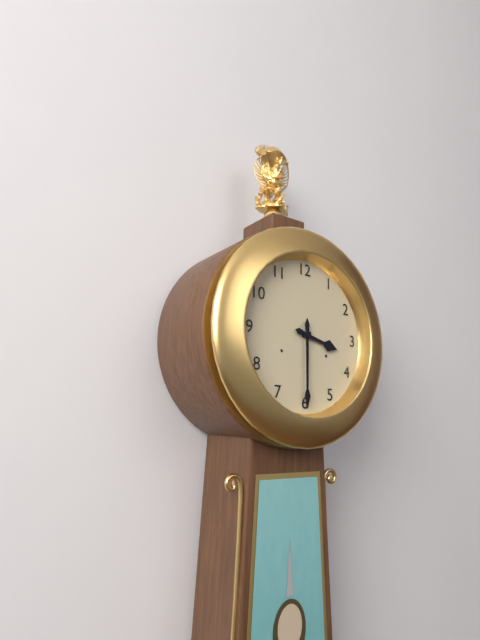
**3:30**
